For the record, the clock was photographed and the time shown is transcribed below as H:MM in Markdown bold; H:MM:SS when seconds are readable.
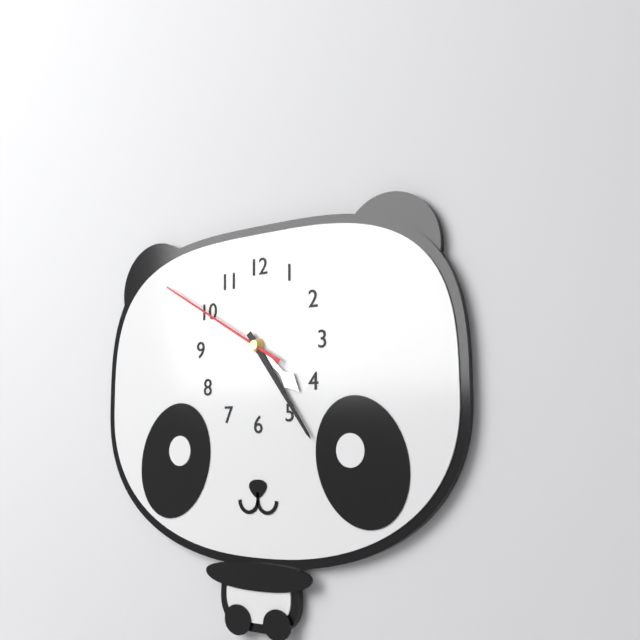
**4:24:50**
